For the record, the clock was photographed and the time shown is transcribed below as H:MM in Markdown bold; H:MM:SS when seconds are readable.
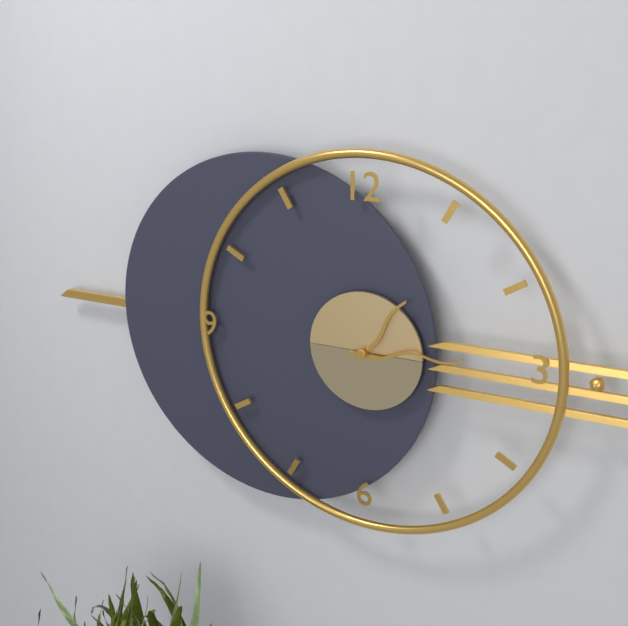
**1:14**
